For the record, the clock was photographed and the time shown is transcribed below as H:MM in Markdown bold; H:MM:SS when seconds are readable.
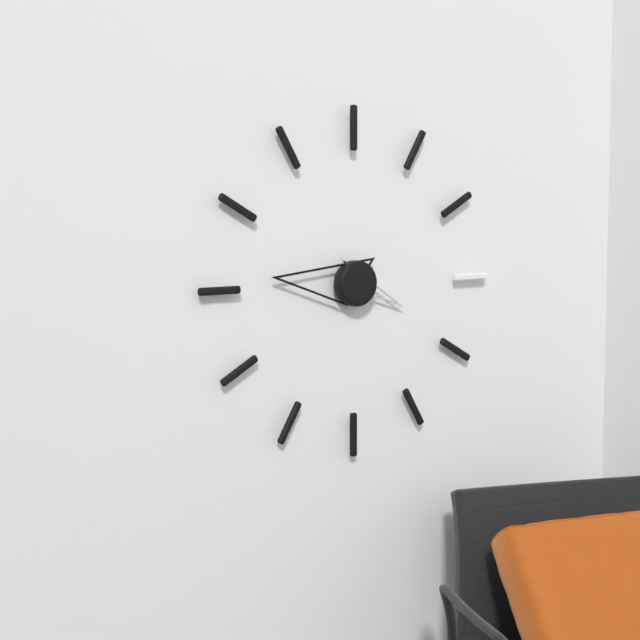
**3:46**
